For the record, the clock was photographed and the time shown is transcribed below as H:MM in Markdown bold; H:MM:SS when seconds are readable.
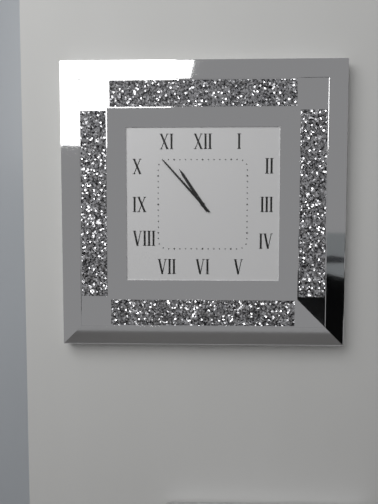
**10:53**
